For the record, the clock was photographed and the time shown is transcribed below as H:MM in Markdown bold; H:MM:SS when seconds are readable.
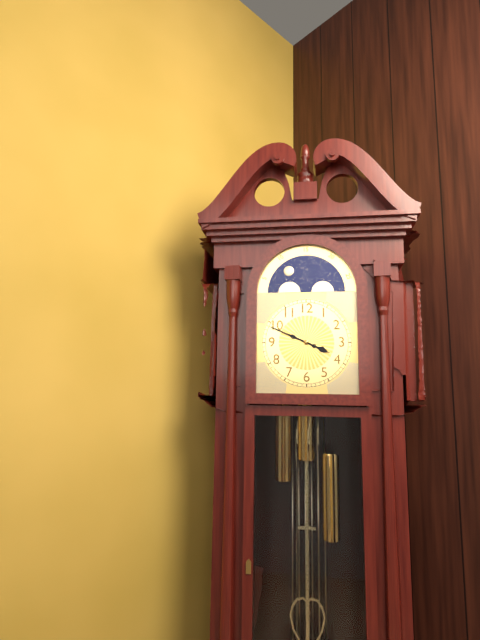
**3:49**
